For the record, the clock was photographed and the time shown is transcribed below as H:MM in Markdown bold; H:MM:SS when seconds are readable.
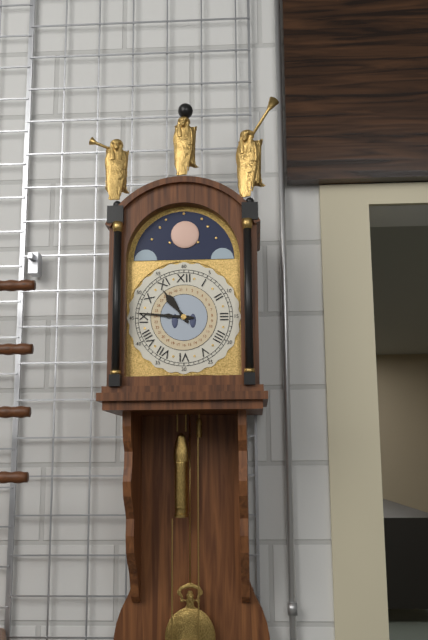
**10:46**
